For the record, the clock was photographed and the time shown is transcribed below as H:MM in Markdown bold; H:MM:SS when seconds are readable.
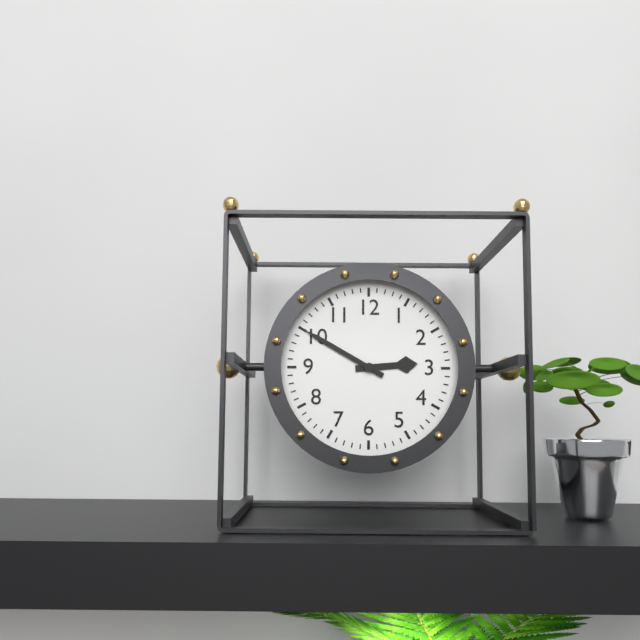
**2:50**
